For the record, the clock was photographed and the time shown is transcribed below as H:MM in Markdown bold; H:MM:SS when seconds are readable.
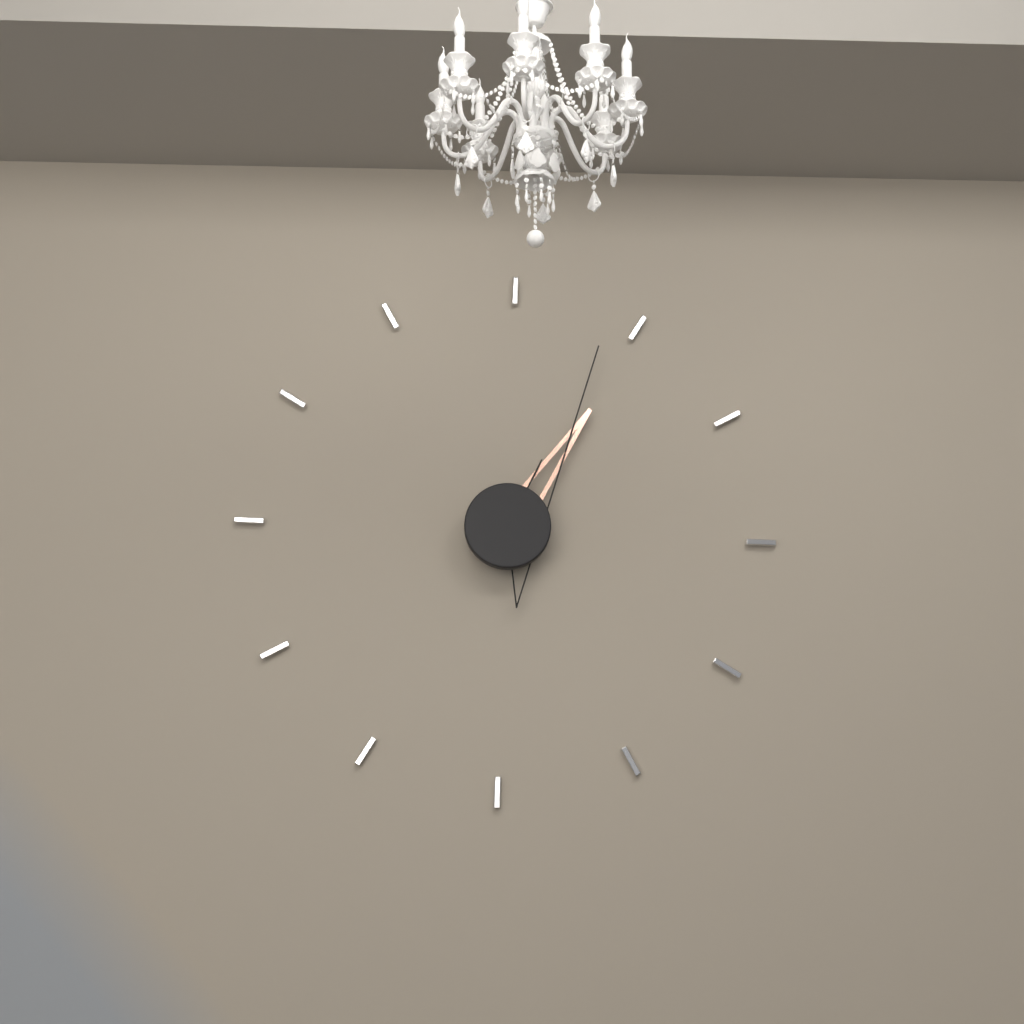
**1:04**
